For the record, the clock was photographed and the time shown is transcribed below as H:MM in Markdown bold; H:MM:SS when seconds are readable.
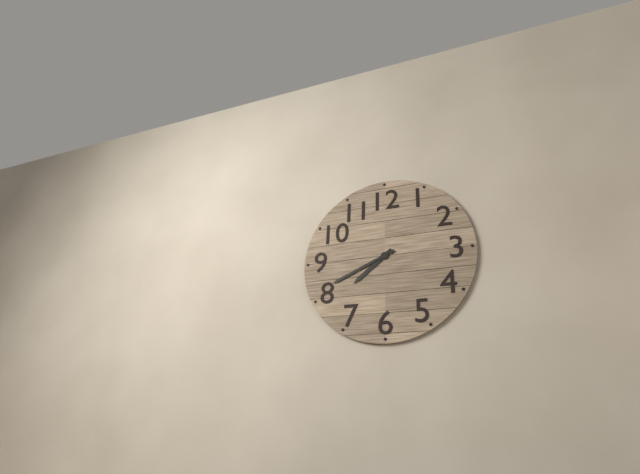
**7:41**
